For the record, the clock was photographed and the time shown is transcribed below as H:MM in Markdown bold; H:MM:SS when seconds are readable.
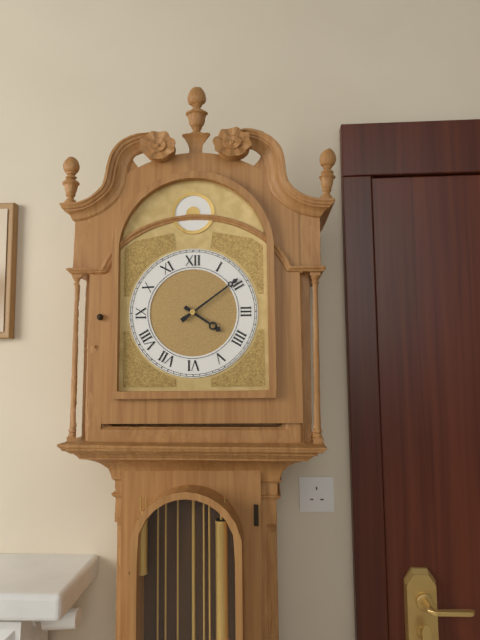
**4:09**
